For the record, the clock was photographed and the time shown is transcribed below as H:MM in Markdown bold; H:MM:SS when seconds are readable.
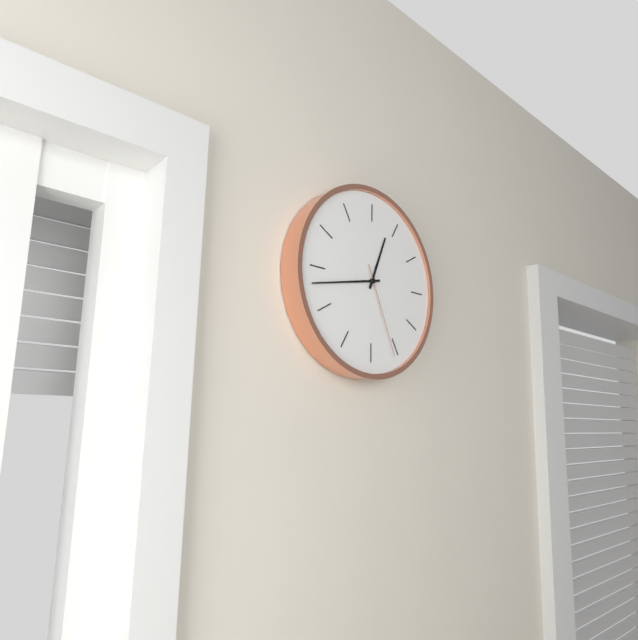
**12:43:26**
